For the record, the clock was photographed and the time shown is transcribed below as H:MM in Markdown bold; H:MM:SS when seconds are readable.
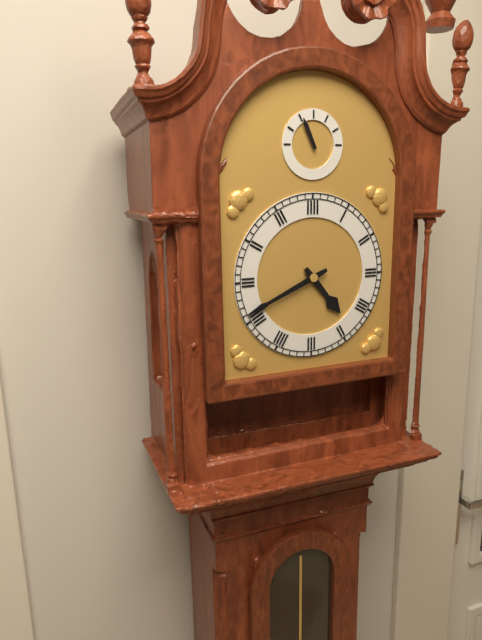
**4:41**
